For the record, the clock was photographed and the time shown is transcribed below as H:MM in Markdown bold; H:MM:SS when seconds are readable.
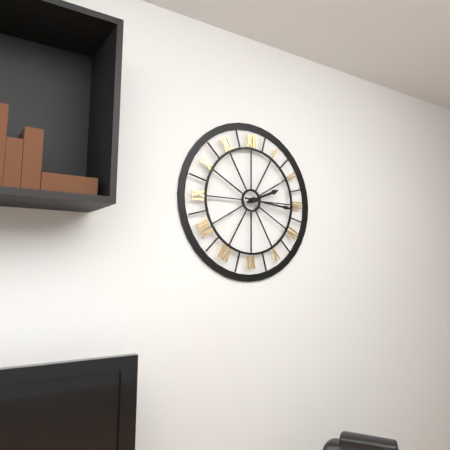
**2:16**
